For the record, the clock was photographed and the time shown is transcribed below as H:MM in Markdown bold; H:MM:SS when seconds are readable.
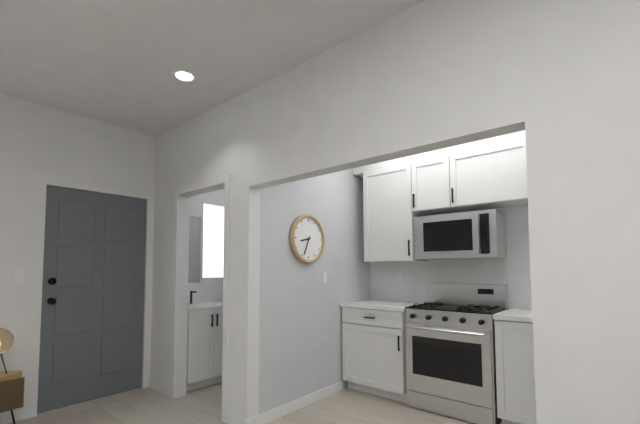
**8:34**
